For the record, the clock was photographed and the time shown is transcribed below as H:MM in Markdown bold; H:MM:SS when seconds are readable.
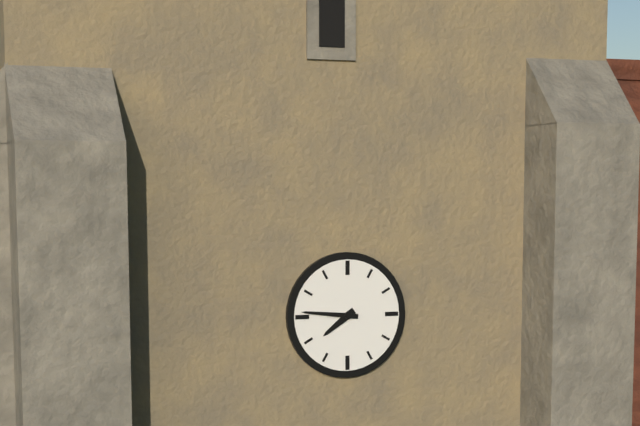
**7:46**
